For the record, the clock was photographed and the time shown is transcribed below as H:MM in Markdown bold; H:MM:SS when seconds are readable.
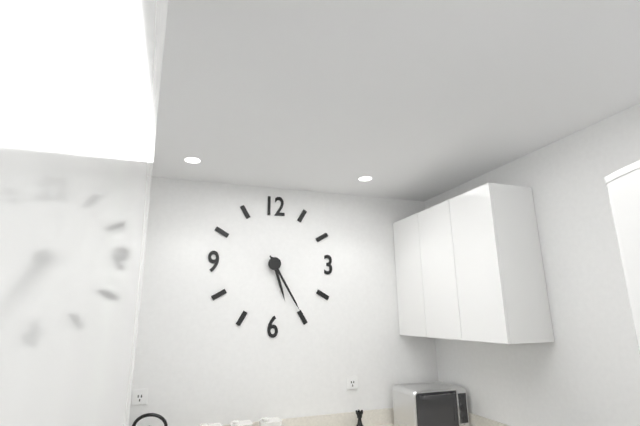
**5:25**
